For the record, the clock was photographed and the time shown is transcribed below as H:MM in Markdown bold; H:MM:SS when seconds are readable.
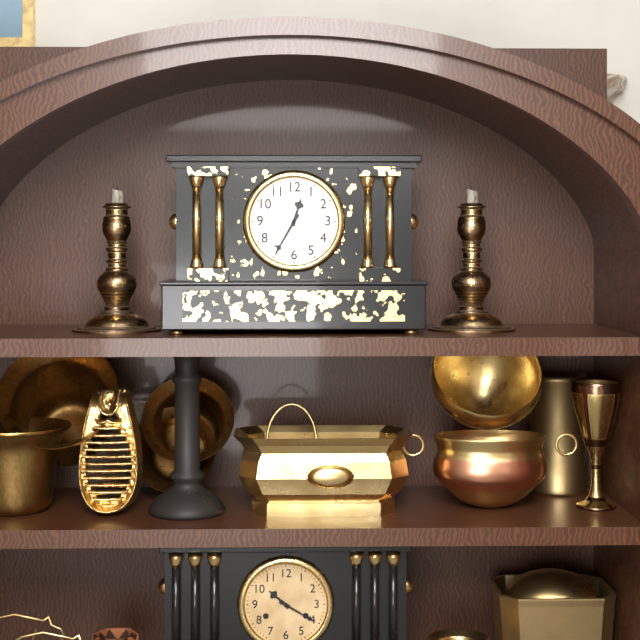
**12:35**
